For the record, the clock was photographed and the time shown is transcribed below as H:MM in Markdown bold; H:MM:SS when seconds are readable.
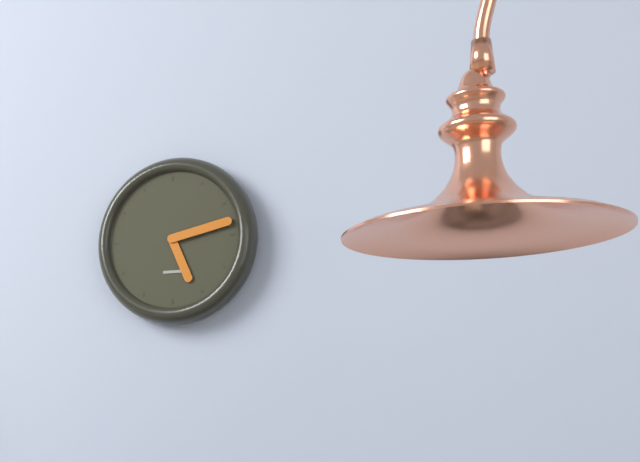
**5:13**
